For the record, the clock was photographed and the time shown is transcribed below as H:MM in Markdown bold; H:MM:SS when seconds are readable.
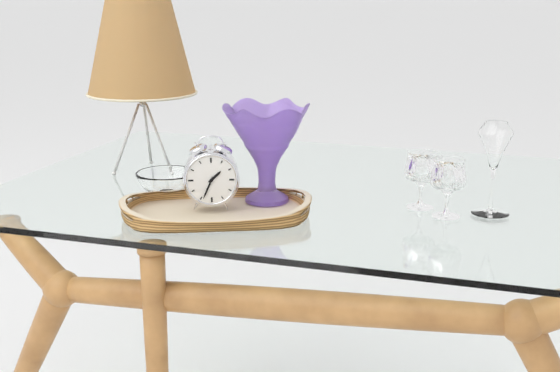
**1:34**
